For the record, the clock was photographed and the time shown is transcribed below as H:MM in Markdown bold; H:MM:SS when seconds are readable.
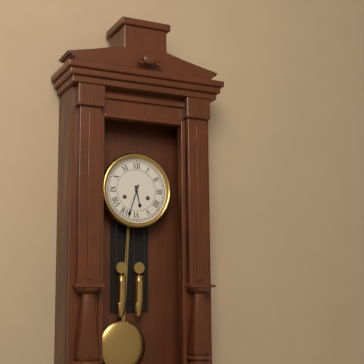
**5:33**
